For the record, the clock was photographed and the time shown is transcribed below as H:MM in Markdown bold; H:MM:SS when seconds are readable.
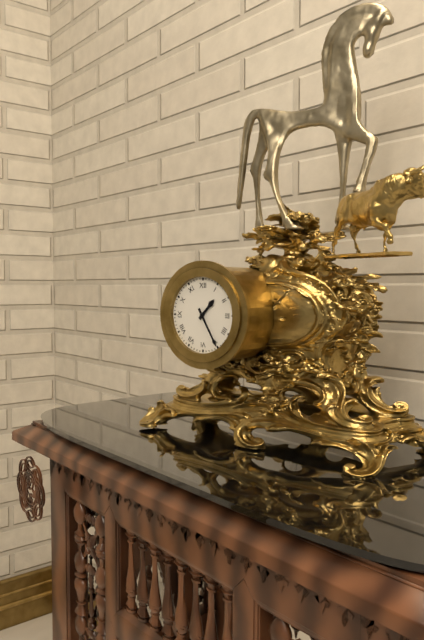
**1:25**
